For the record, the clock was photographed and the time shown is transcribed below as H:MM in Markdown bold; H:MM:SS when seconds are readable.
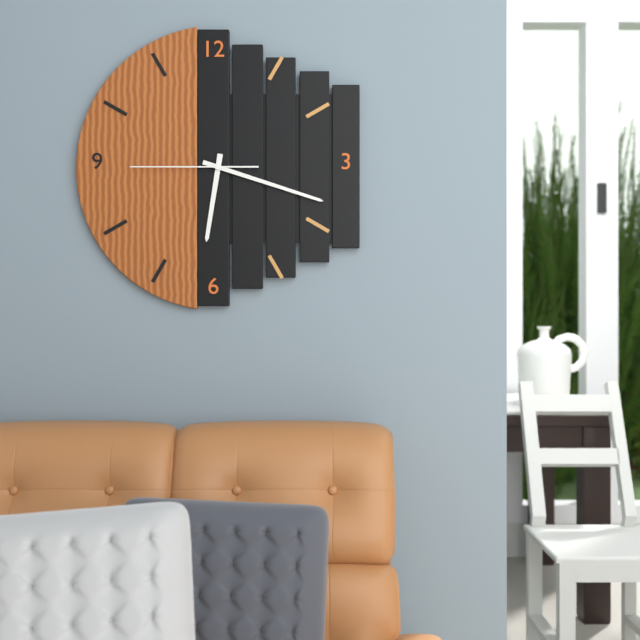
**6:18:45**
